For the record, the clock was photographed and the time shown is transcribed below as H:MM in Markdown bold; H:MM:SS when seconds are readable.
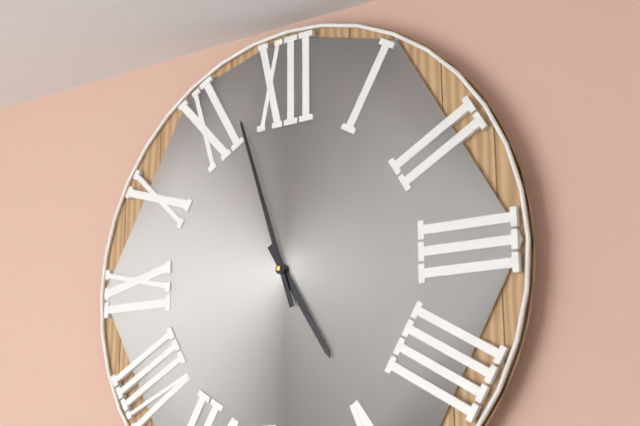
**4:57**
